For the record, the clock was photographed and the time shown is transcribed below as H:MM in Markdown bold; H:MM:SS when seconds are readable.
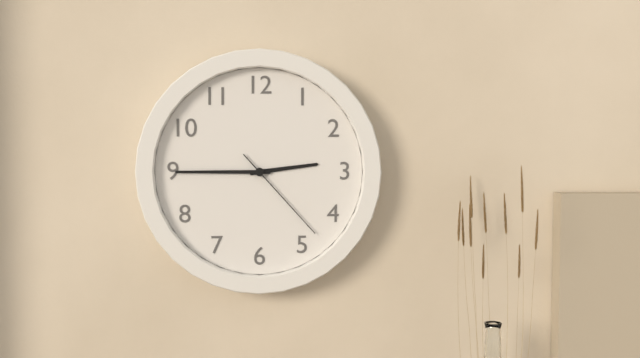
**2:45:23**
